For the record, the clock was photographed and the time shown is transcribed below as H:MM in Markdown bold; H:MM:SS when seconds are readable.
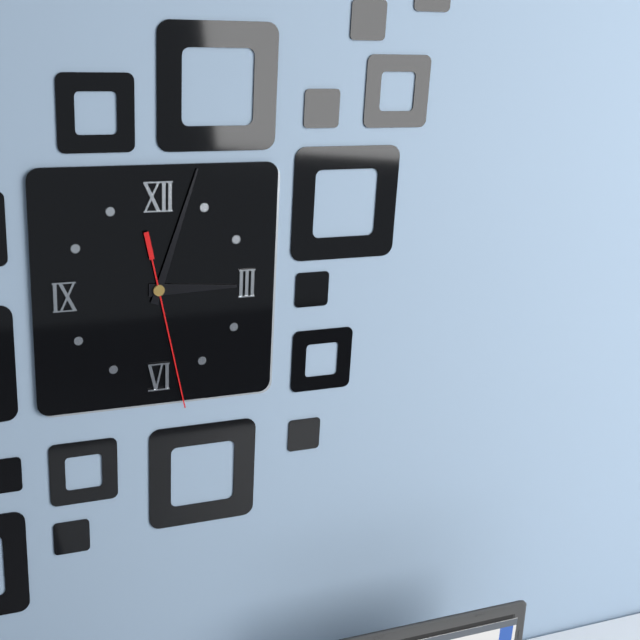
**3:03:28**
